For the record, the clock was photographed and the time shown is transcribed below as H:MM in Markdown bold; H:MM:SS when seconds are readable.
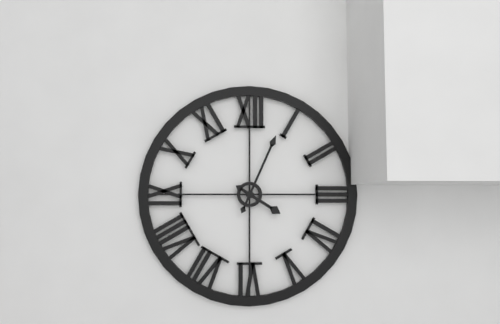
**4:04**
